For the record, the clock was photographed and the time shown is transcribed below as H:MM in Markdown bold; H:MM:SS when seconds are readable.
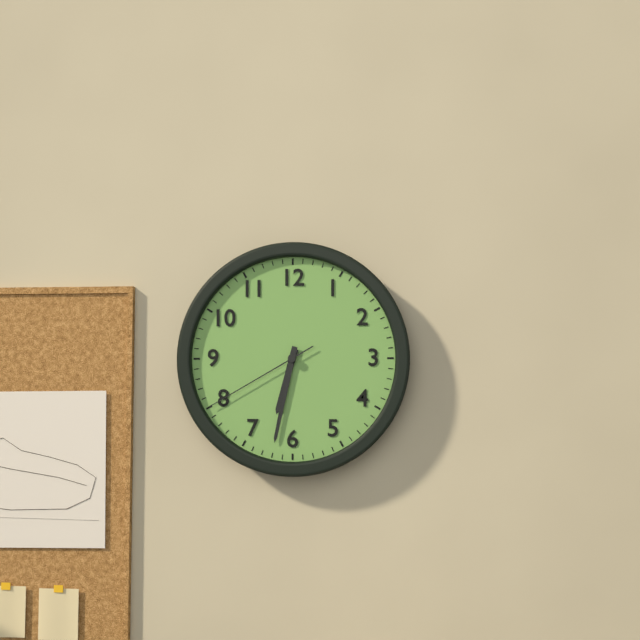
**6:32:40**
